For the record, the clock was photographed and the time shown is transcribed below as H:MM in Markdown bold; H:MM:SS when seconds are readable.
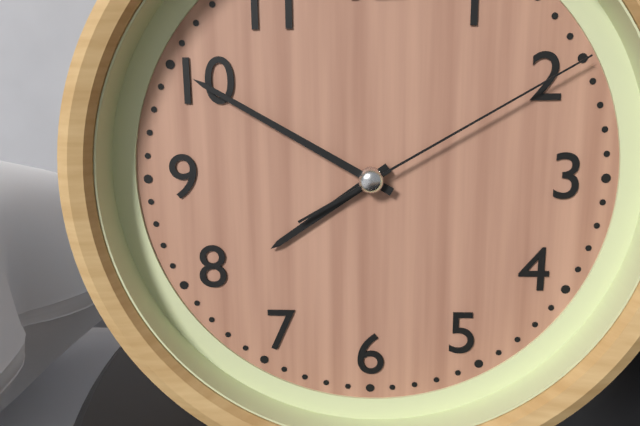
**7:50:10**
